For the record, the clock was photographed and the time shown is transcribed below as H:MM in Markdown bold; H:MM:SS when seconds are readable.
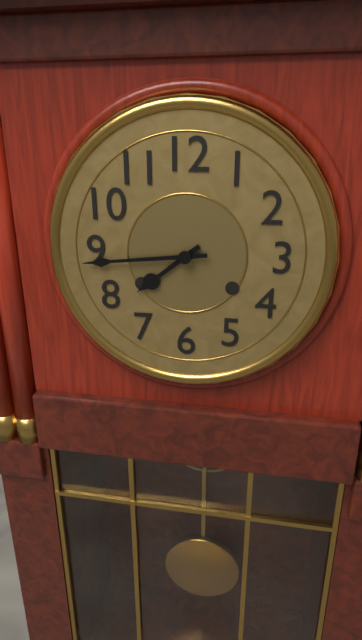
**7:44**
